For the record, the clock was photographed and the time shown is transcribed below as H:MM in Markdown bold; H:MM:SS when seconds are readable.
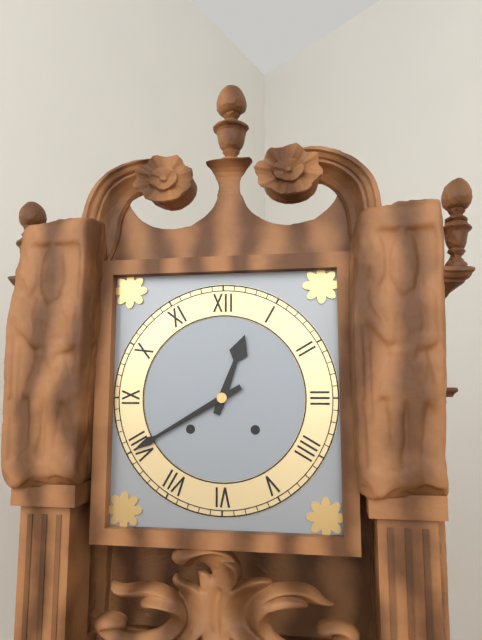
**12:40**
